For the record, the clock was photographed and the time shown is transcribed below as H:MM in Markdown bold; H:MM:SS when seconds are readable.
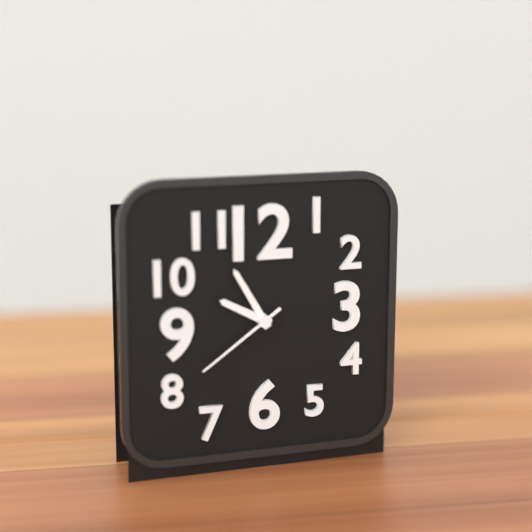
**9:55:39**
